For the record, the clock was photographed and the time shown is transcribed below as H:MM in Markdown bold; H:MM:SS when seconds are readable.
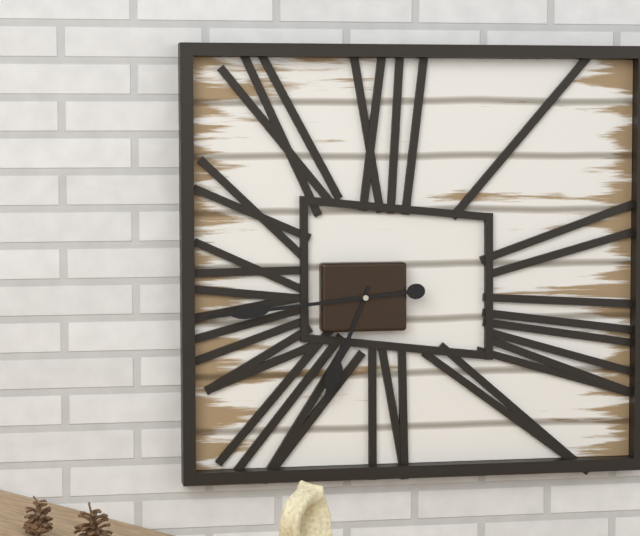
**6:44**
